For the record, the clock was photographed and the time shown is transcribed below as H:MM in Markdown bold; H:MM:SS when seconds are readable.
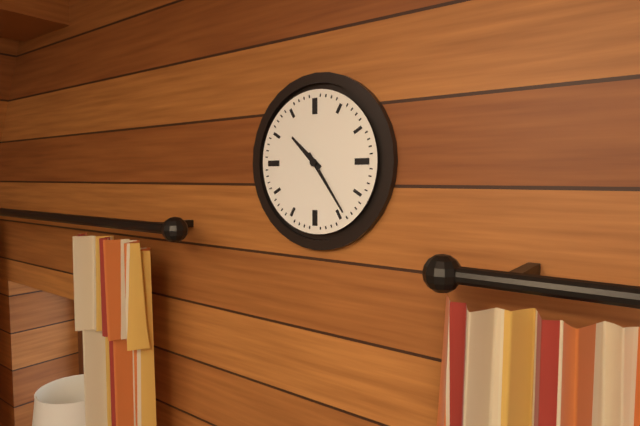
**10:24**
